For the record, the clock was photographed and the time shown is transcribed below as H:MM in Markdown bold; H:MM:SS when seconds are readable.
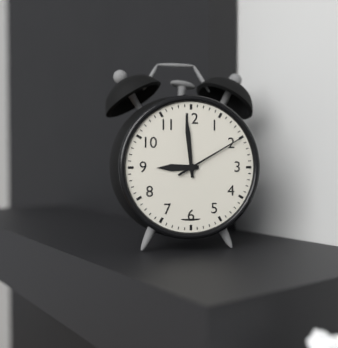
**8:59:10**
